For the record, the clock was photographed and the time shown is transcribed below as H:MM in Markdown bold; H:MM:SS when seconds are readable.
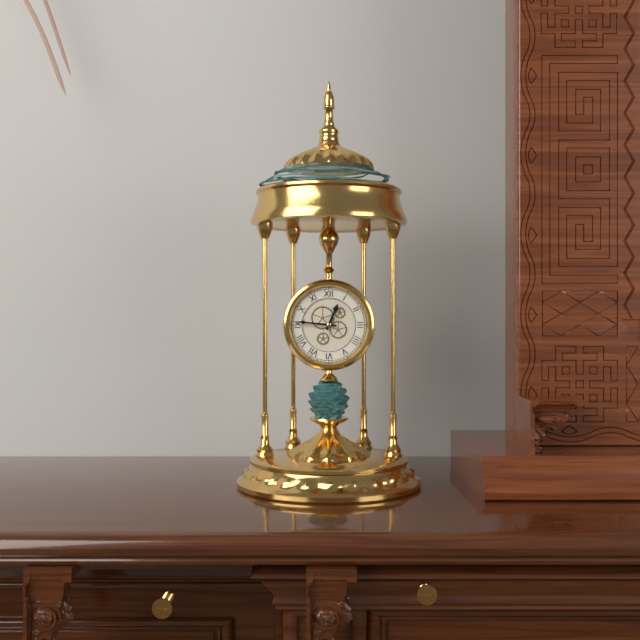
**12:46**
